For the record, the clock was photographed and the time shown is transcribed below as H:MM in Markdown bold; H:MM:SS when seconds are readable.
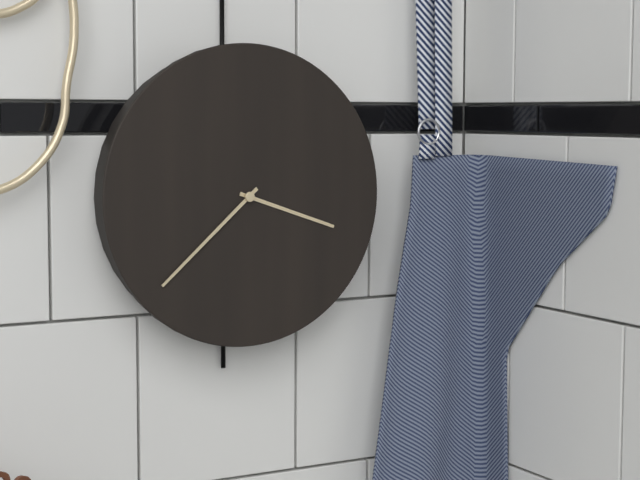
**3:38**
